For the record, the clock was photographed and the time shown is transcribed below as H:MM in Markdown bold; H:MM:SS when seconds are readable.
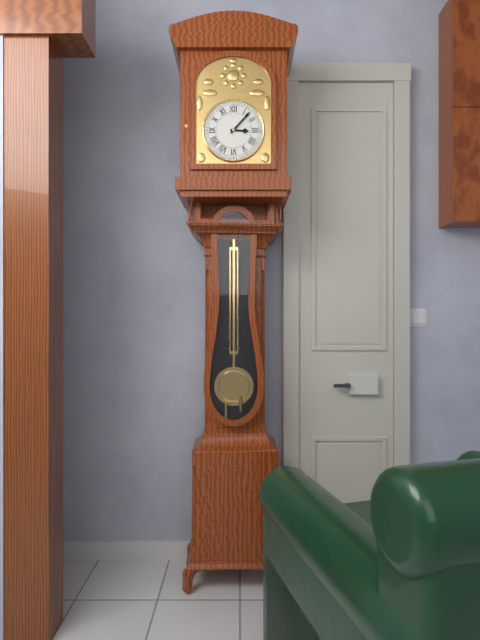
**3:07**
